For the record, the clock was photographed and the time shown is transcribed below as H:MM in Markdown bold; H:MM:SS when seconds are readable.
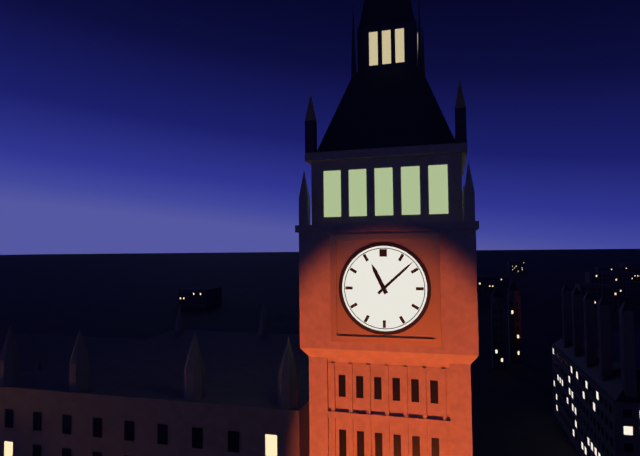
**11:08**
